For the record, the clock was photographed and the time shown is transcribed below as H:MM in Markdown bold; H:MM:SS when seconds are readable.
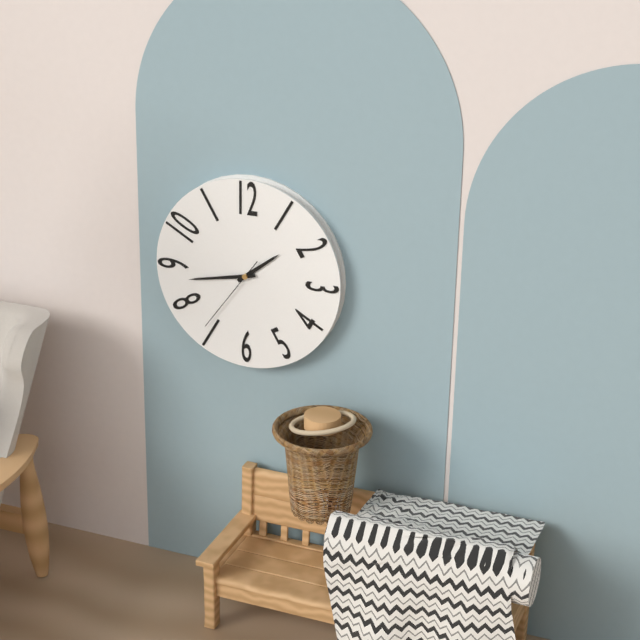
**1:43:36**
